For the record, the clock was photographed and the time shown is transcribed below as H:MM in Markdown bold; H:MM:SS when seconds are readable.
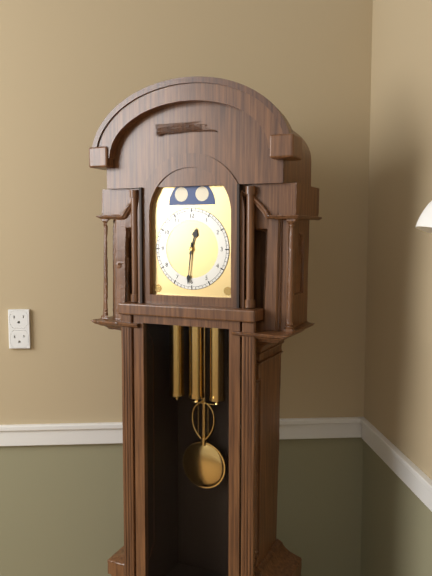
**12:31**
